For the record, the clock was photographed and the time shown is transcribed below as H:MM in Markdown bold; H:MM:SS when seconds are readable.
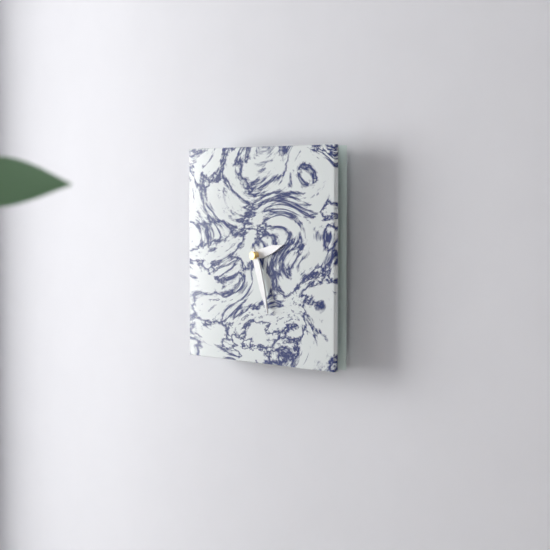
**2:27**
